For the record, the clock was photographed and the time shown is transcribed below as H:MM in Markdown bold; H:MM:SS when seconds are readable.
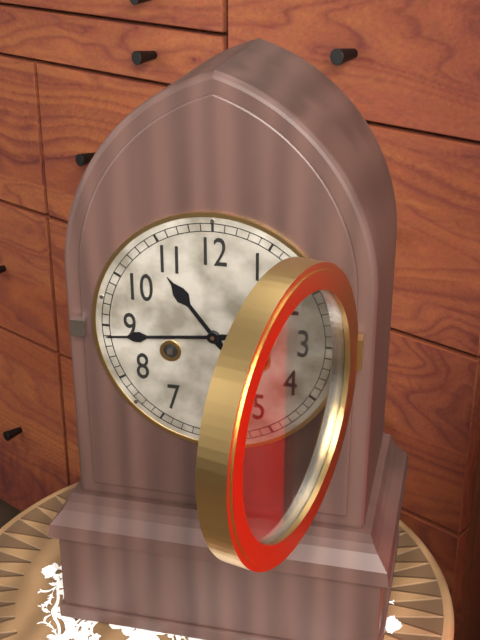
**10:44**
